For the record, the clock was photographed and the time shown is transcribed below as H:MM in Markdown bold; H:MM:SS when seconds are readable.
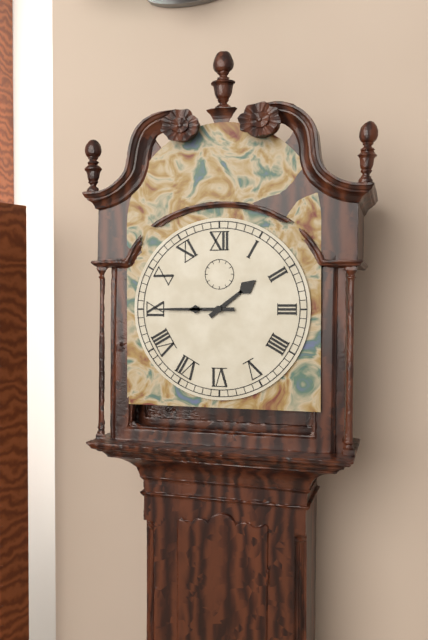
**1:45**
